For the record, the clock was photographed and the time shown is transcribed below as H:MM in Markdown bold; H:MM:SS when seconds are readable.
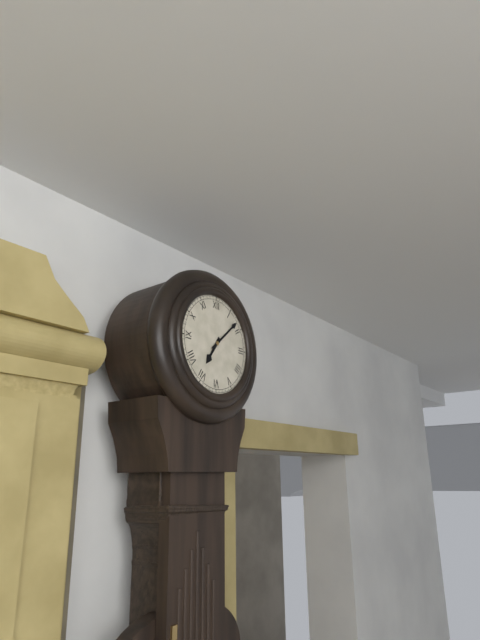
**7:08**
